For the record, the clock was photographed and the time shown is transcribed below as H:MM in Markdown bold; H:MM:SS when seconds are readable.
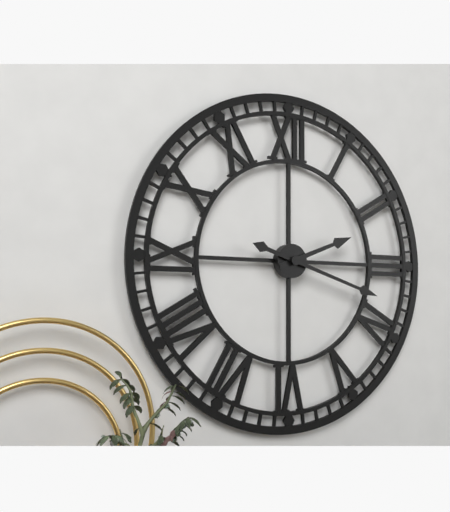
**2:18**
